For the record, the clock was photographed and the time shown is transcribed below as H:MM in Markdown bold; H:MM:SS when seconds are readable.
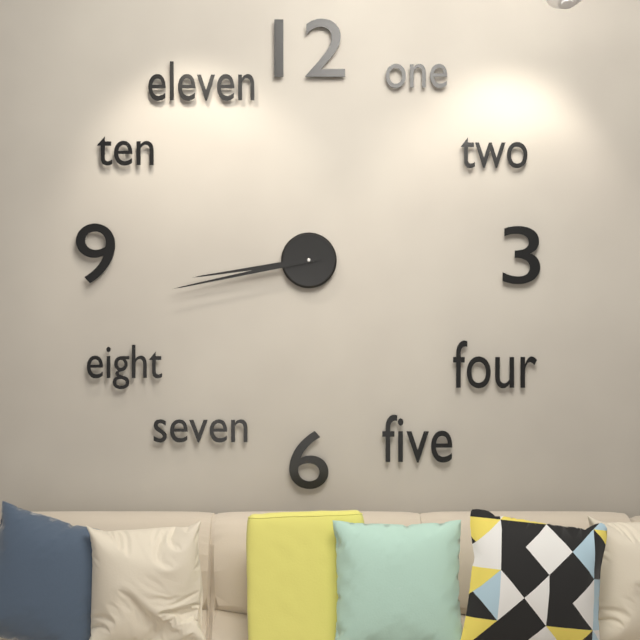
**8:43**
